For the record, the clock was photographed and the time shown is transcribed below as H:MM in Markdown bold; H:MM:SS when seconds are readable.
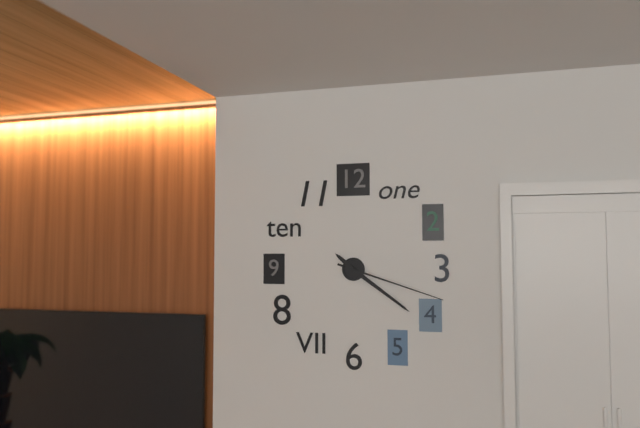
**10:21:18**
